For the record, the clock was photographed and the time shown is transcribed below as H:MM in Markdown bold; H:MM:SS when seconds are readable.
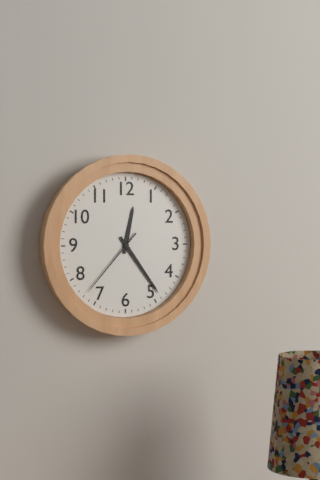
**12:24:37**
